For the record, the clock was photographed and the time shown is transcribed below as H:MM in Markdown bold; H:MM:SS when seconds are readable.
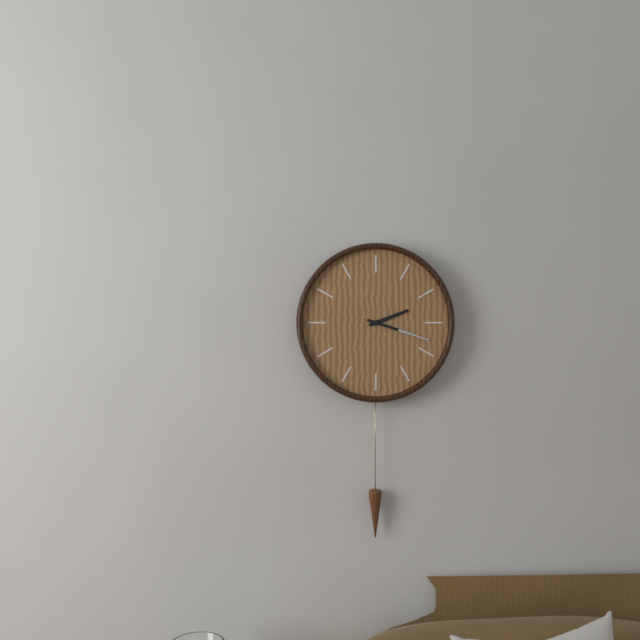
**2:18**
